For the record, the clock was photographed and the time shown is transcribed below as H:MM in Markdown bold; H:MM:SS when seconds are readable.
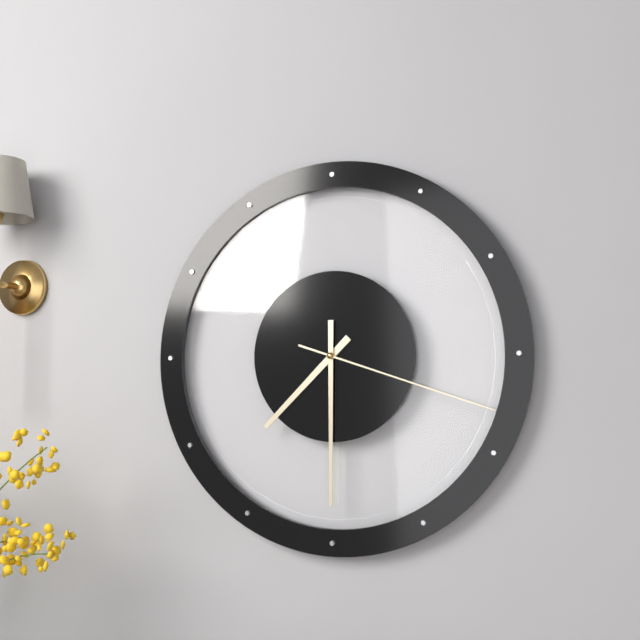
**7:30:18**
